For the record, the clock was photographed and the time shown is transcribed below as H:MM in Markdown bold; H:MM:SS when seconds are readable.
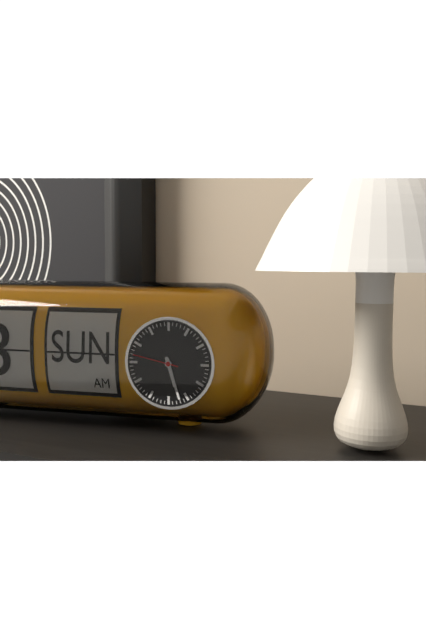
**5:27:47**
